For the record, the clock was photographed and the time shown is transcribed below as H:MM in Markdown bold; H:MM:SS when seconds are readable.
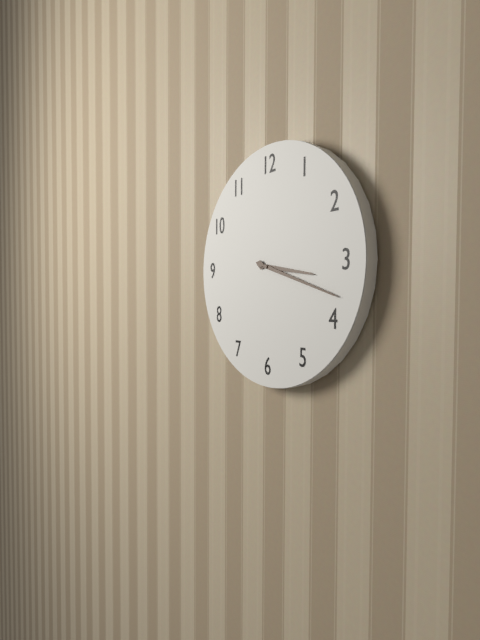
**3:18**
